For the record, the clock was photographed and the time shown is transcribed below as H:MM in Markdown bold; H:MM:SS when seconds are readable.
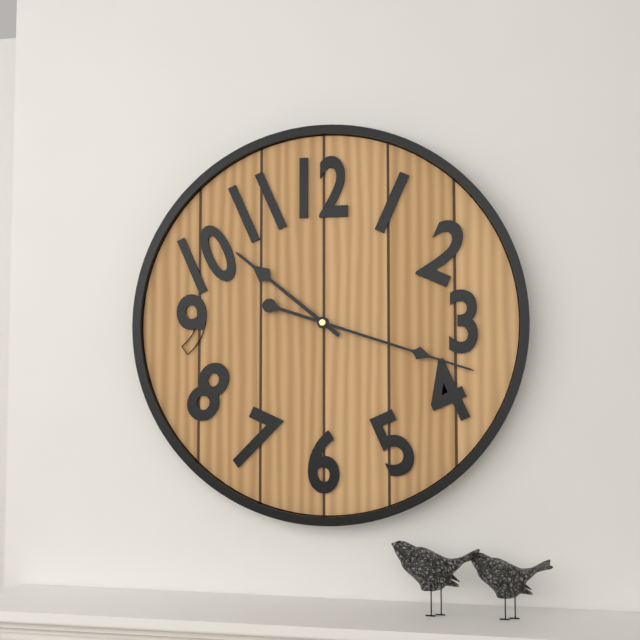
**10:18**
